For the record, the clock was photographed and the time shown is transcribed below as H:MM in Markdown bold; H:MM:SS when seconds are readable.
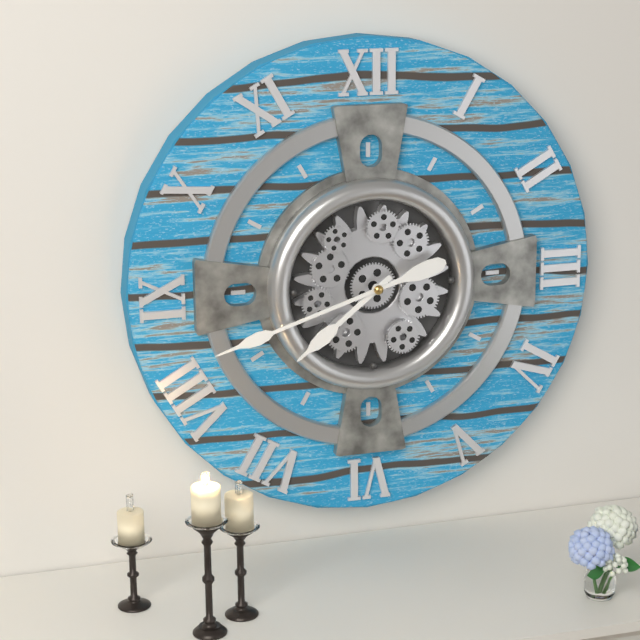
**7:42**
